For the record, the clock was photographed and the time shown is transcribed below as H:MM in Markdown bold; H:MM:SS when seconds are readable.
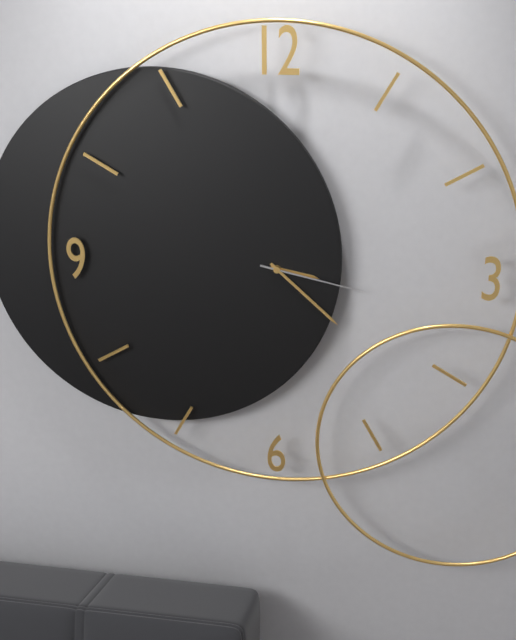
**3:22:17**
